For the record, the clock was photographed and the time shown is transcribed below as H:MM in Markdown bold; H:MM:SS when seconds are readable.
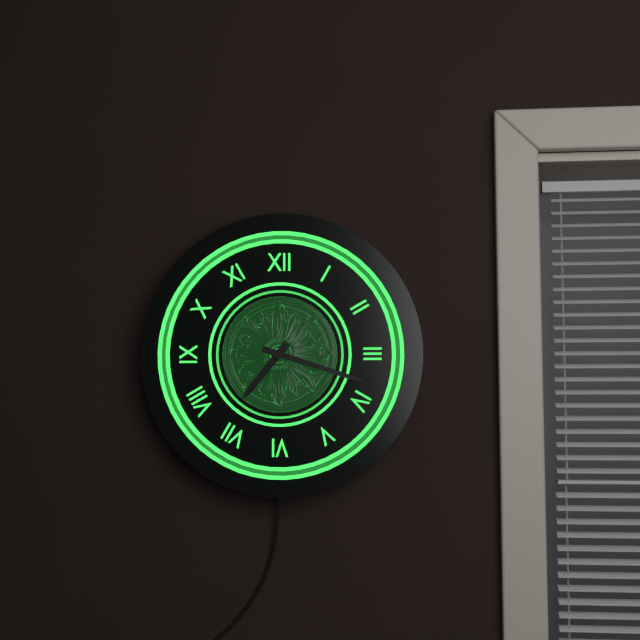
**7:18**
